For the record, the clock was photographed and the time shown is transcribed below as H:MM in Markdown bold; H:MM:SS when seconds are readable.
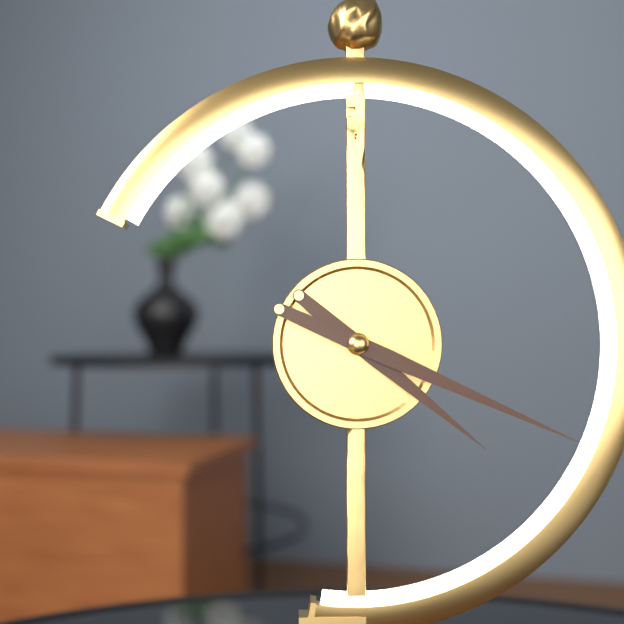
**4:19**
